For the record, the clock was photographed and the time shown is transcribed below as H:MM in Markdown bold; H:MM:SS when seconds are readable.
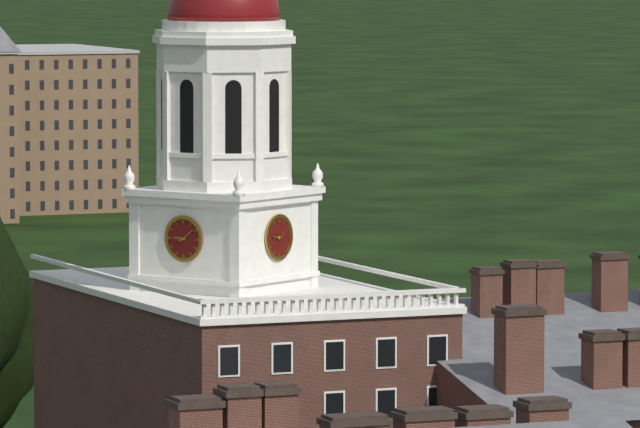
**9:09**
